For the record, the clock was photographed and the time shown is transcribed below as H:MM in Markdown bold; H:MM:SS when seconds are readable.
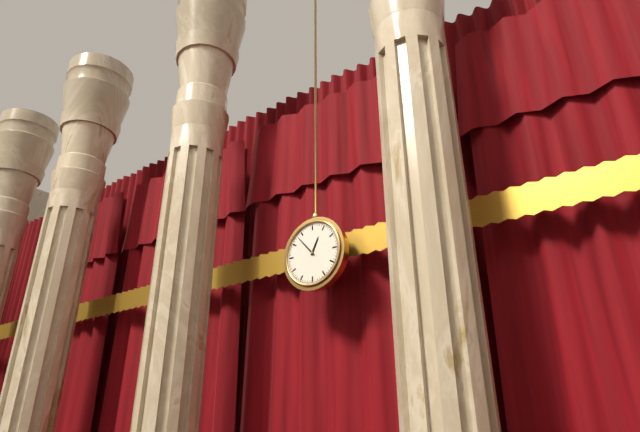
**12:53**
